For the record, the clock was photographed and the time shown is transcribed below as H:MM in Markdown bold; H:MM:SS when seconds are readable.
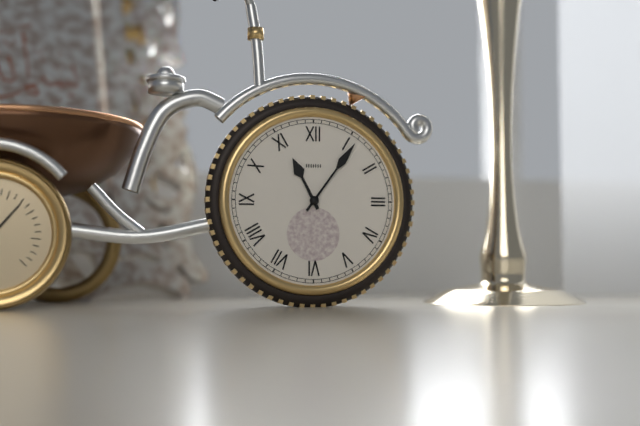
**11:06**
